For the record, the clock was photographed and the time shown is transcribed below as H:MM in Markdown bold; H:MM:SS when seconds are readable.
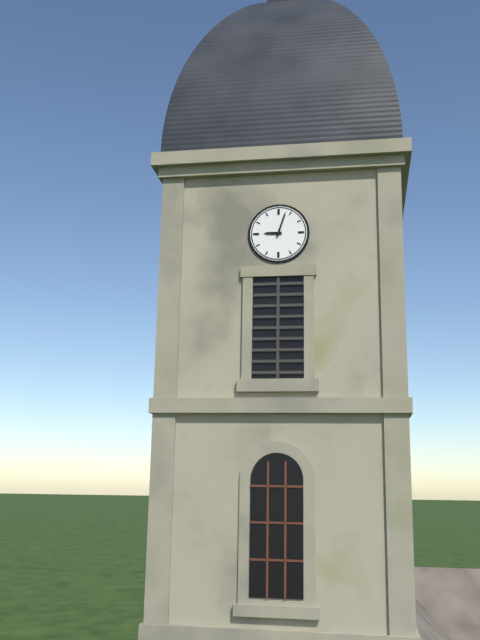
**9:03**
